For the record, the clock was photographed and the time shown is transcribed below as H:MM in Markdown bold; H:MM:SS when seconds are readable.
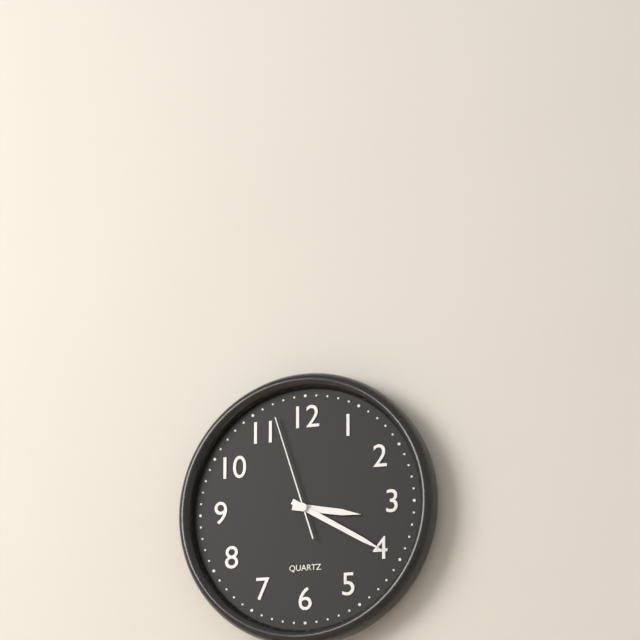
**3:20:57**
